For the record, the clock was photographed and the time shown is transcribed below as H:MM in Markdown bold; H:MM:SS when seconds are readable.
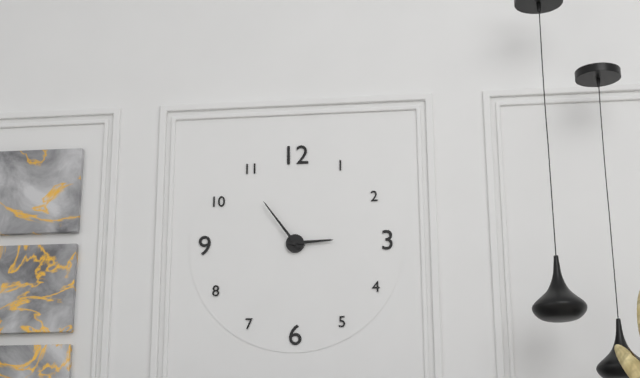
**2:54**
